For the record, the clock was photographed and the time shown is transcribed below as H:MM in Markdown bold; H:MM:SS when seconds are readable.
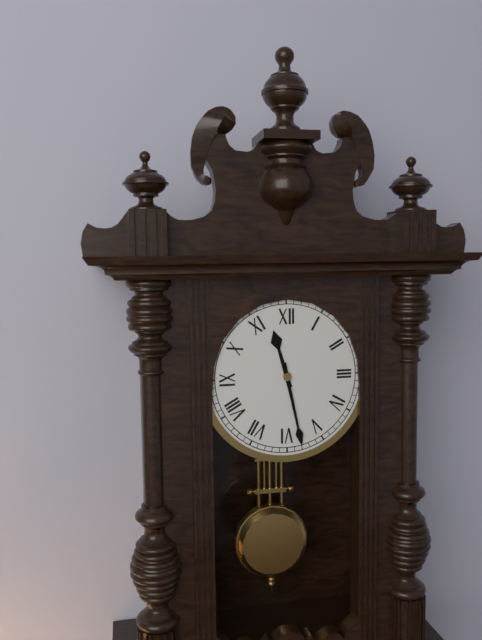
**11:28**
